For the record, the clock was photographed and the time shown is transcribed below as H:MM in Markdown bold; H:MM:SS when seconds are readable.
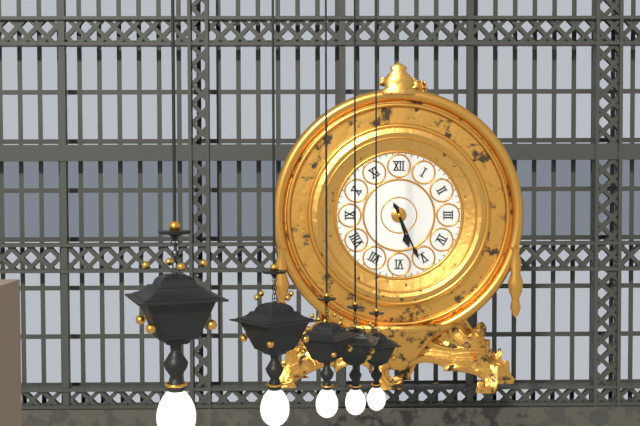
**5:26**
